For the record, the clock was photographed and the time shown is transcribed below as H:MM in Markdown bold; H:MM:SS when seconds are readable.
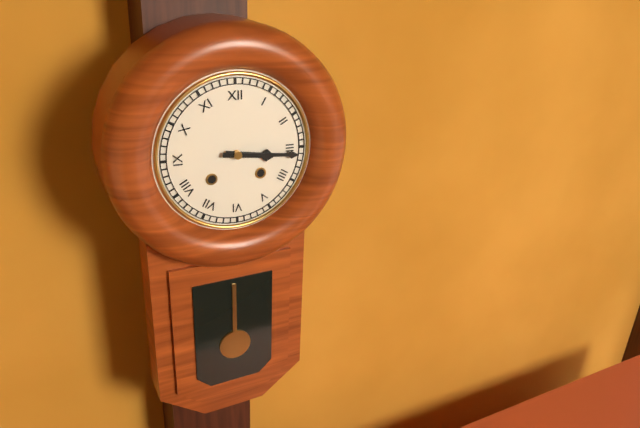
**3:16**
